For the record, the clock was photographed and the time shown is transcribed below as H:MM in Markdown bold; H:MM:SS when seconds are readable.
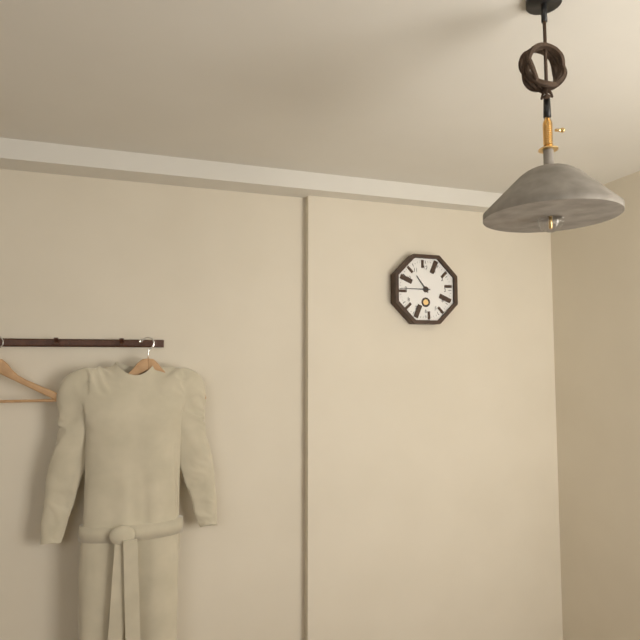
**10:45**
